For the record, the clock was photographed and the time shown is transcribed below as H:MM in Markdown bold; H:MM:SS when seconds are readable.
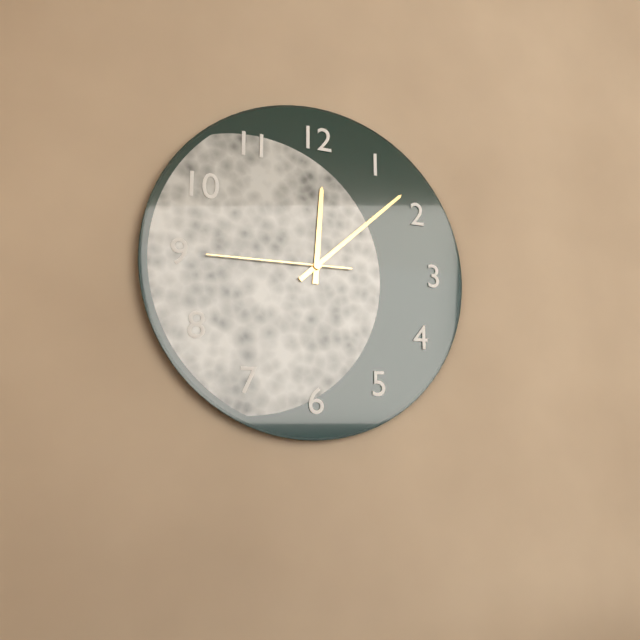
**12:08:45**
